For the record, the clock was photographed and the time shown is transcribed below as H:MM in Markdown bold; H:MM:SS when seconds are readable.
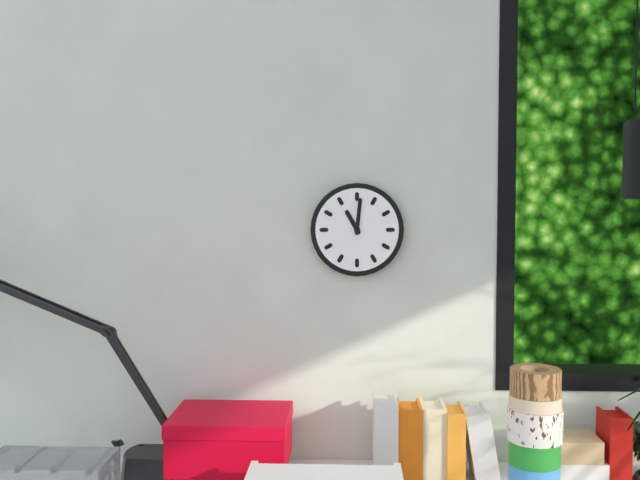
**11:01**
